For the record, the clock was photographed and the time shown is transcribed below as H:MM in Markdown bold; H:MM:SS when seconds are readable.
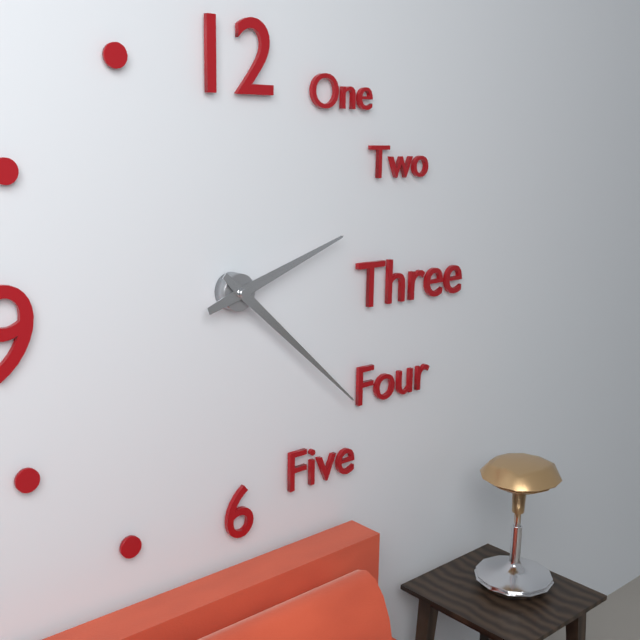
**2:22**
